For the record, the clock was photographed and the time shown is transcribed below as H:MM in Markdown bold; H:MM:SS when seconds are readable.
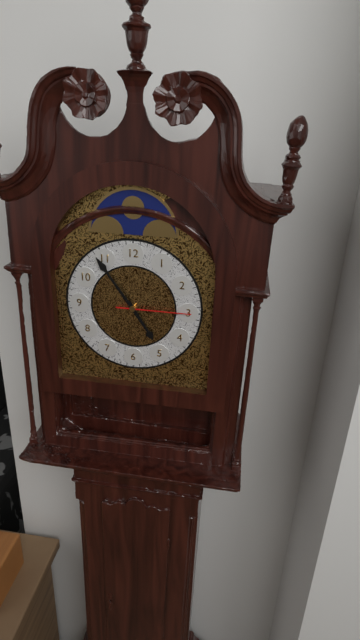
**4:54:15**
